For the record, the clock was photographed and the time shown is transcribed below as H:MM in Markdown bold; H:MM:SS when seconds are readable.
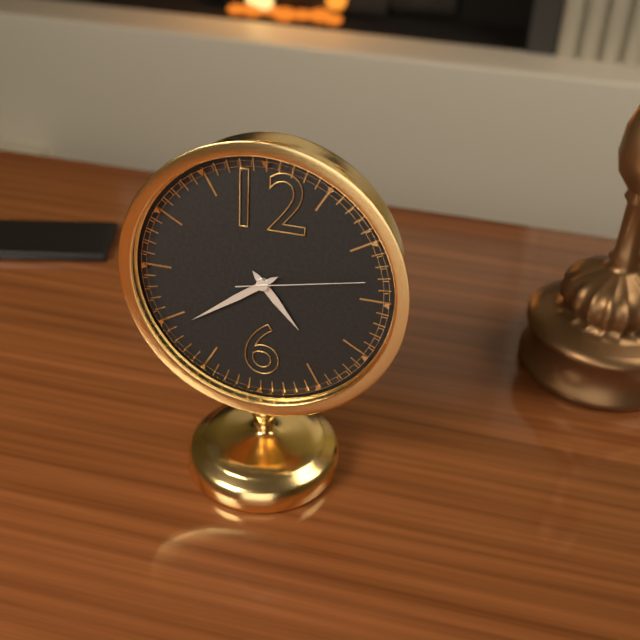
**4:39:13**
